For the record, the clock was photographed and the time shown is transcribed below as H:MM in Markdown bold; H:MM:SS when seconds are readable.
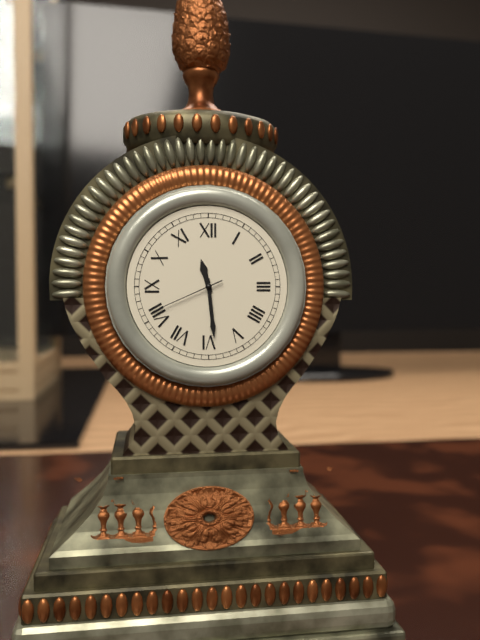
**11:29:41**
